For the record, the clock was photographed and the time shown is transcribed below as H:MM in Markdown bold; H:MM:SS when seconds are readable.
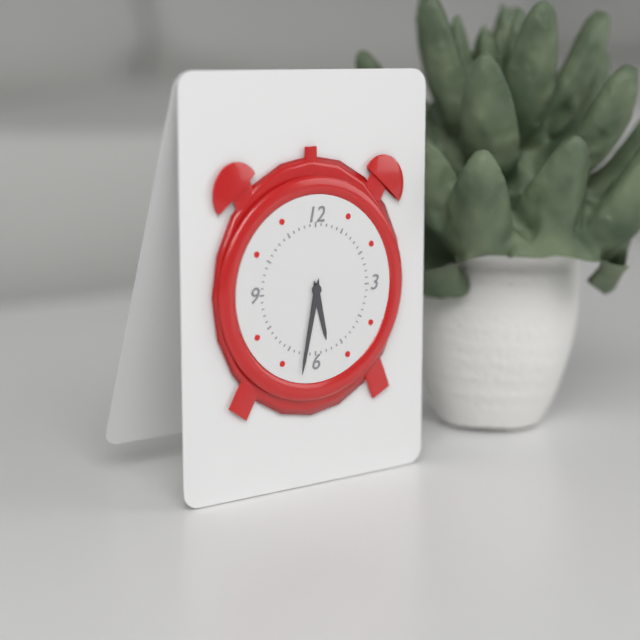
**5:32**
